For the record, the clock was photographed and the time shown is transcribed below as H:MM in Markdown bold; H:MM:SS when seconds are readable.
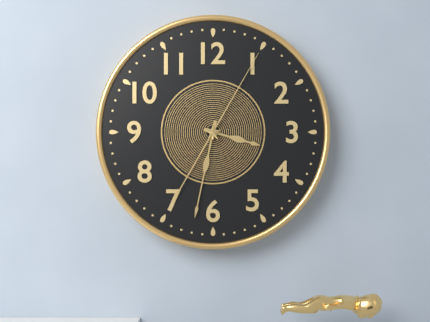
**3:32:05**
